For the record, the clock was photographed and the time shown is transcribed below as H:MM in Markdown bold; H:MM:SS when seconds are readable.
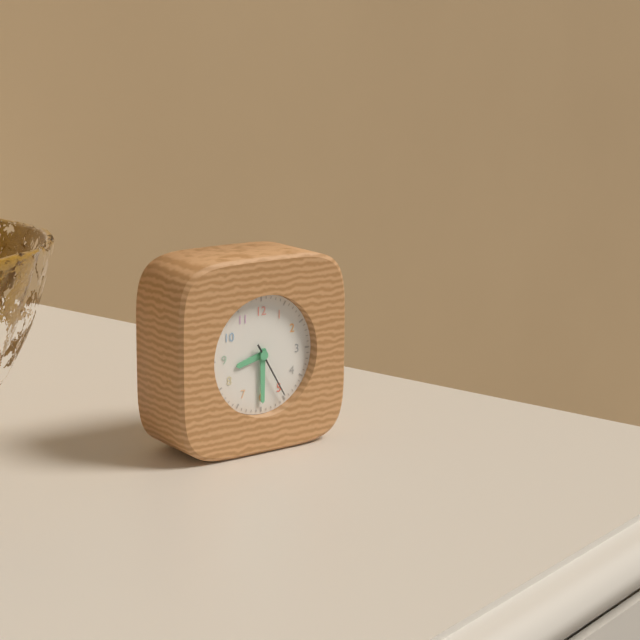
**8:30:25**
